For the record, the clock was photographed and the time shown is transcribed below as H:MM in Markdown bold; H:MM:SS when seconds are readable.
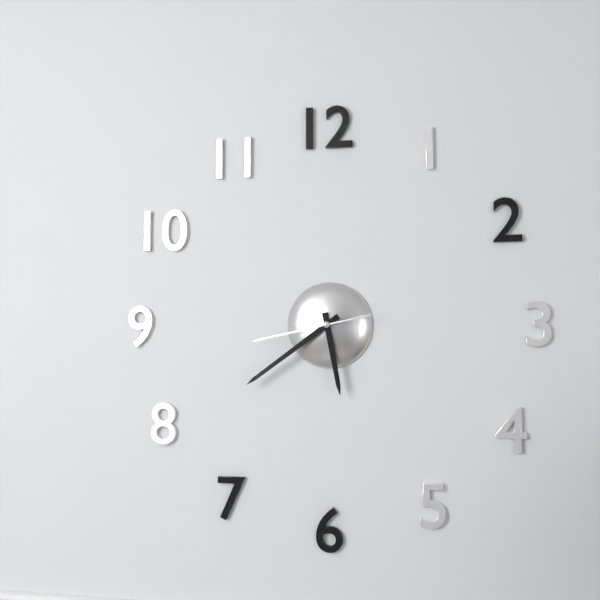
**5:39:43**
